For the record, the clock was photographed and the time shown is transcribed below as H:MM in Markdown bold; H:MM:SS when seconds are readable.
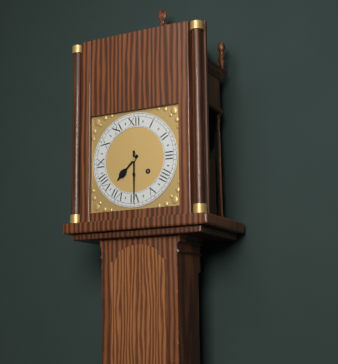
**7:30**
